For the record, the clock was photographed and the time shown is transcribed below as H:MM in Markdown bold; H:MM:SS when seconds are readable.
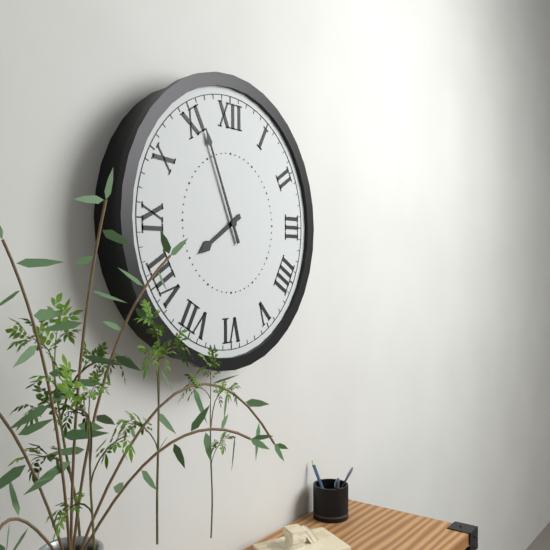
**7:56**
